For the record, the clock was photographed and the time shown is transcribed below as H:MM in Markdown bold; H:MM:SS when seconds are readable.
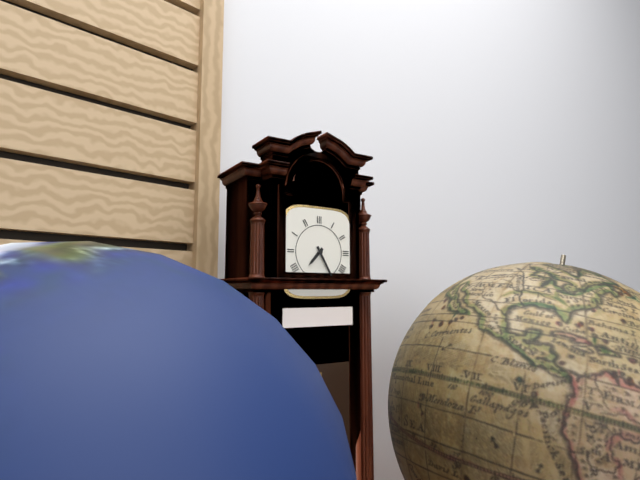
**7:25**
